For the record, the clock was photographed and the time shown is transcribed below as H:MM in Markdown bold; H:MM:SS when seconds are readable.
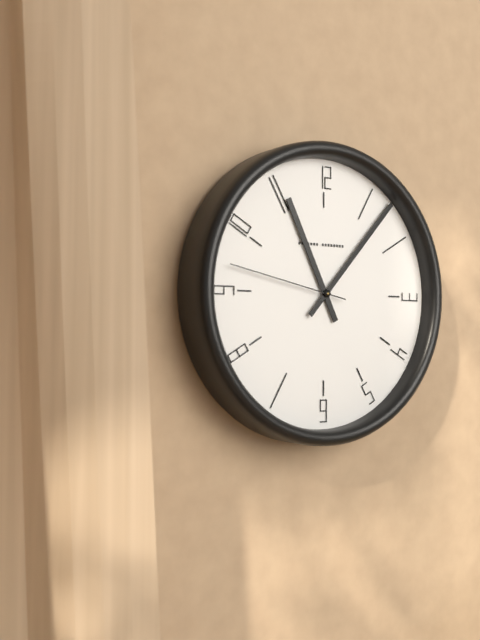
**11:07:47**
